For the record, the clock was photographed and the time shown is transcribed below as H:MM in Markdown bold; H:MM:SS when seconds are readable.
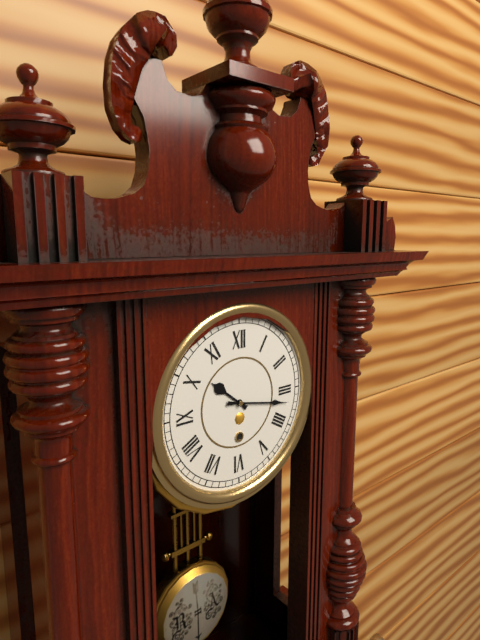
**10:17**
